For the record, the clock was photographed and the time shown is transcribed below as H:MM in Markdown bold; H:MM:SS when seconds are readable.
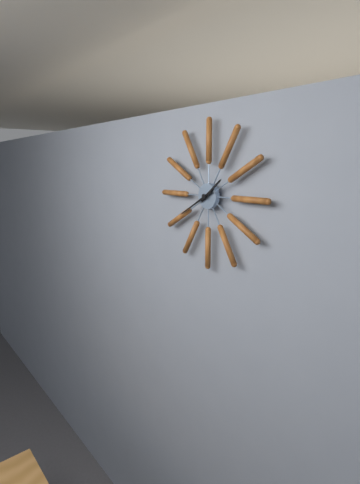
**1:40**
